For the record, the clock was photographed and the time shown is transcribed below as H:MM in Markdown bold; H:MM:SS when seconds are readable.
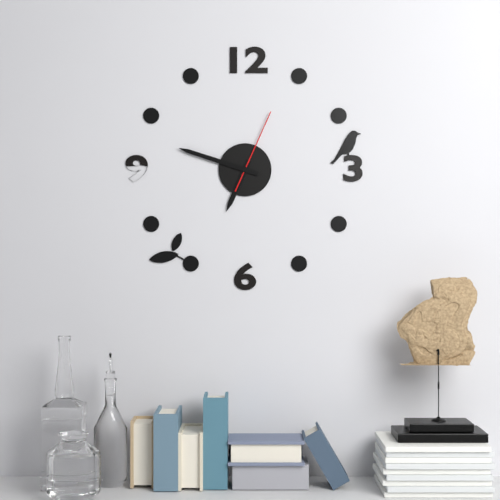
**6:48:04**
